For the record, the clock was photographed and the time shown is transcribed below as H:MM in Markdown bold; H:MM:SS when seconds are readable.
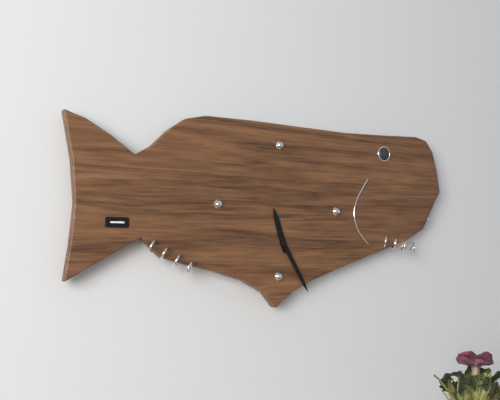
**11:25**
